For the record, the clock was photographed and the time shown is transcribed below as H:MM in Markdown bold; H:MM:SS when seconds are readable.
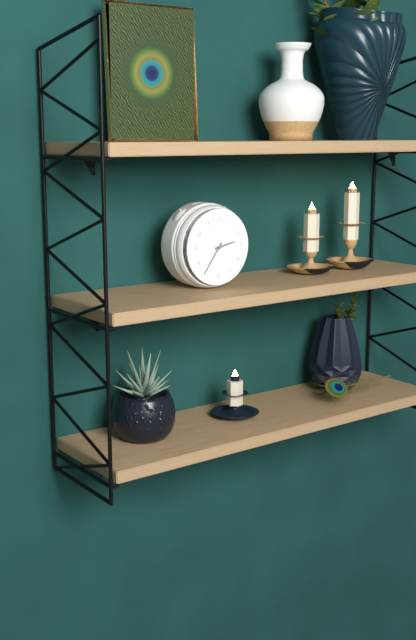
**2:36**
